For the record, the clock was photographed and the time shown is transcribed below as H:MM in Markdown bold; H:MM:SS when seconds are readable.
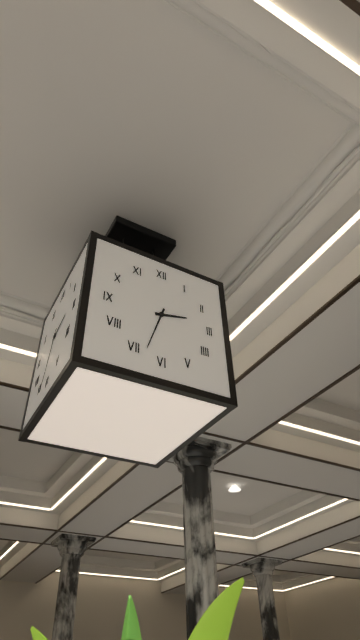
**2:33**
